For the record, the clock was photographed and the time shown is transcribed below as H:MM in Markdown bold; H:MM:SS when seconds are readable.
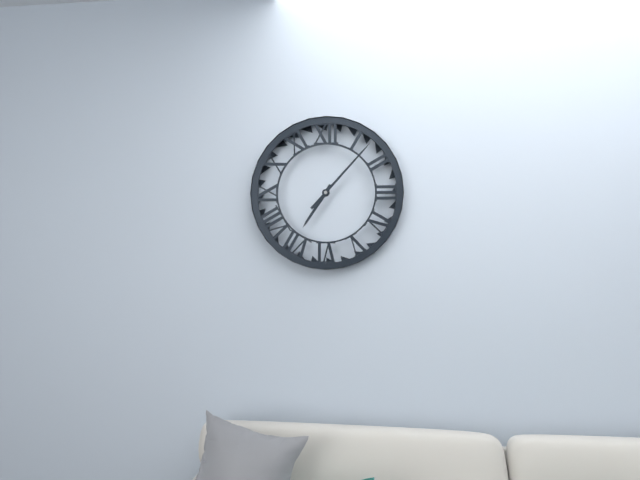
**7:07**
